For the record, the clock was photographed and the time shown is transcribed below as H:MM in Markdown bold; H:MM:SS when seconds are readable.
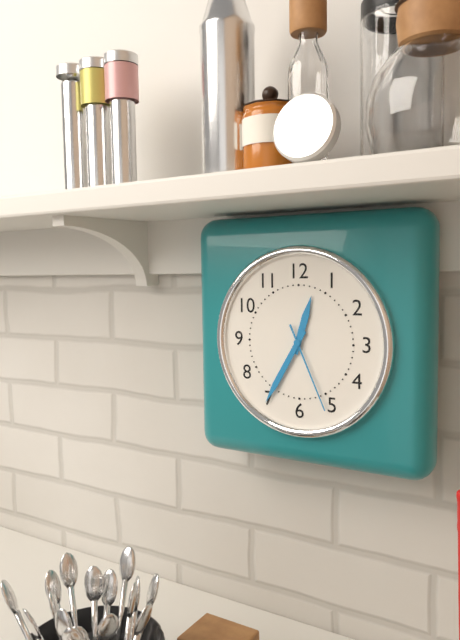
**12:35:26**
